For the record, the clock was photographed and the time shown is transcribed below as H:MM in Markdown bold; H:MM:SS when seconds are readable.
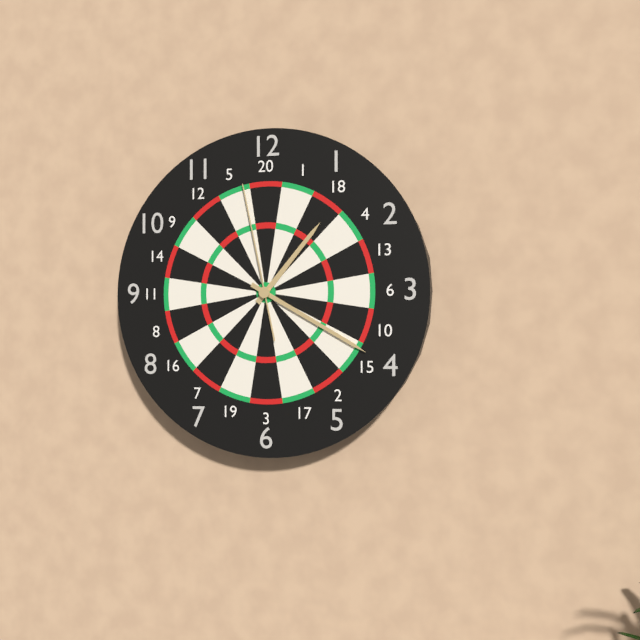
**1:20:58**
